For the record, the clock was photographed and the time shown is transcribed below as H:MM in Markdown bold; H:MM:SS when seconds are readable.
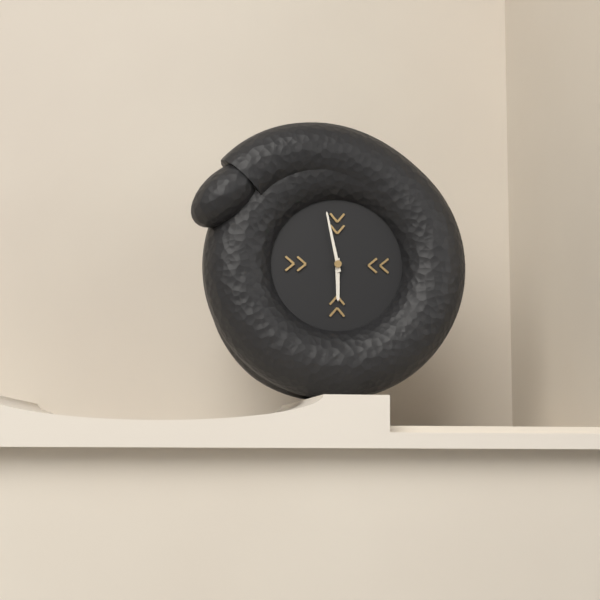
**5:58**
